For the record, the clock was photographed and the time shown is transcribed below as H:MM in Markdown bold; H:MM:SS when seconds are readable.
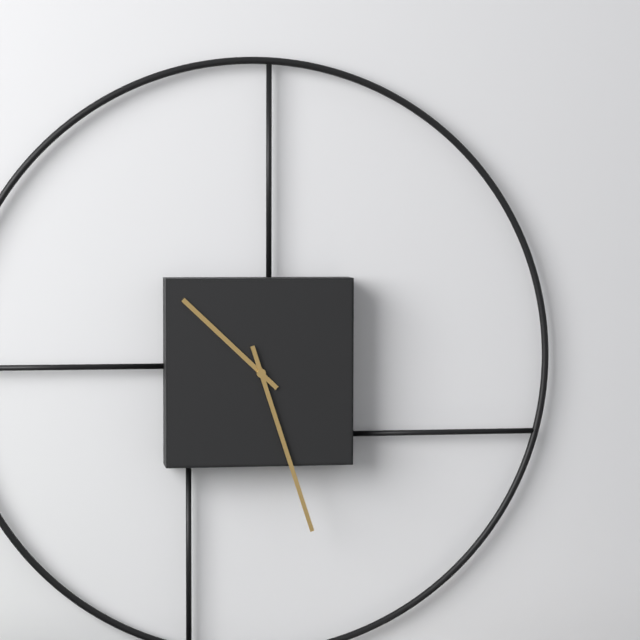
**10:27**
